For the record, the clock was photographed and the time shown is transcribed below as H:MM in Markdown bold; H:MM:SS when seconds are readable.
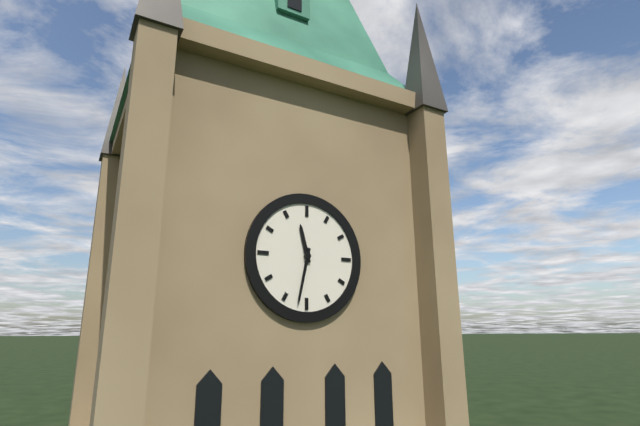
**11:32**
